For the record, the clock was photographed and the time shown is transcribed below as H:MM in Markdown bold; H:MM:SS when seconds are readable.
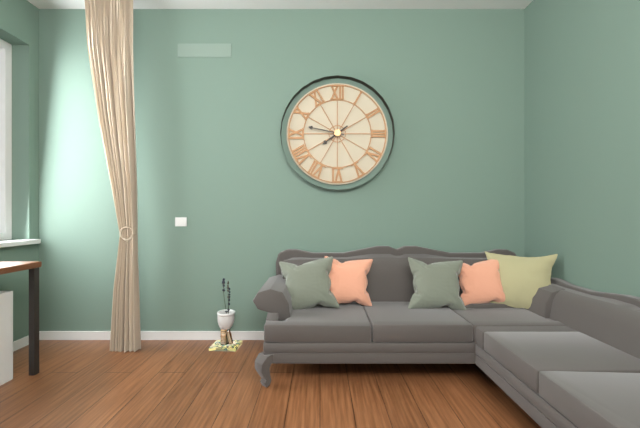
**7:47**
